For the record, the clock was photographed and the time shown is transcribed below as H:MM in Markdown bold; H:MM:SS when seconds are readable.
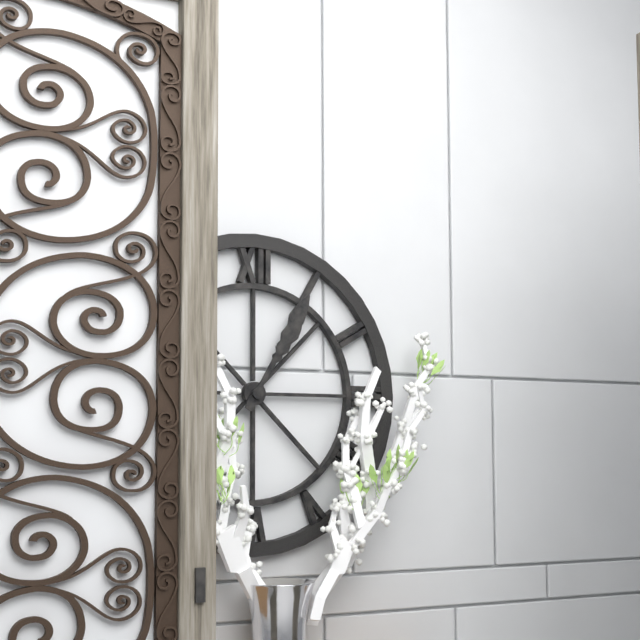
**1:05**
